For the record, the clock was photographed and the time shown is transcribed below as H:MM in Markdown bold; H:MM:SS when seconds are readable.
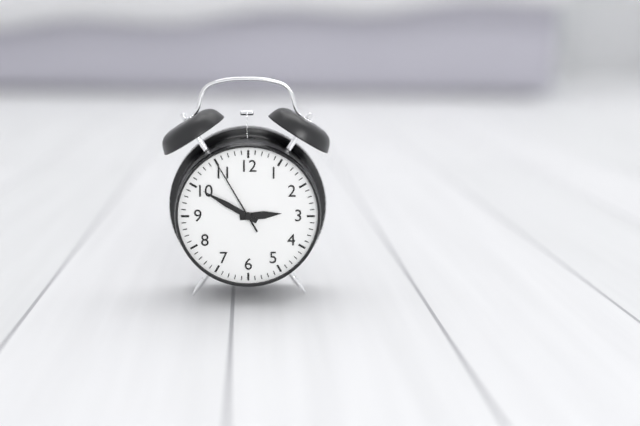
**2:50:55**
